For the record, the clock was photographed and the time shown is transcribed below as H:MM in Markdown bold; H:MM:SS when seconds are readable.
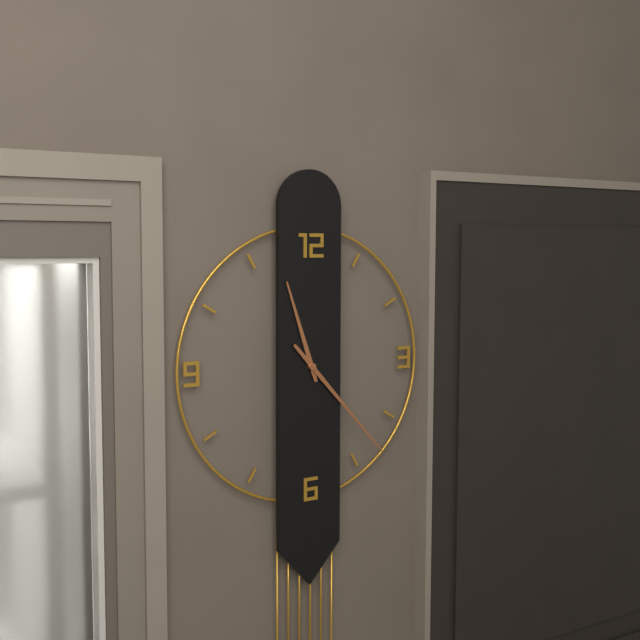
**11:23**
